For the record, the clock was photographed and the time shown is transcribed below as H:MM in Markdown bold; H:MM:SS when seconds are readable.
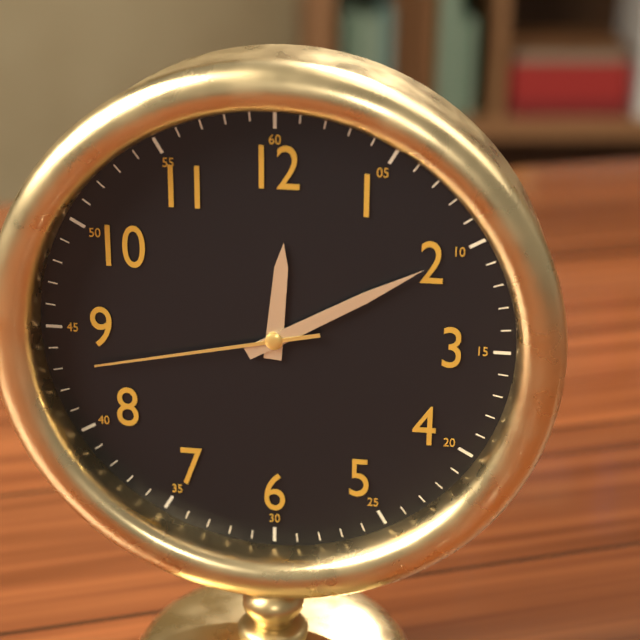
**12:10:43**
